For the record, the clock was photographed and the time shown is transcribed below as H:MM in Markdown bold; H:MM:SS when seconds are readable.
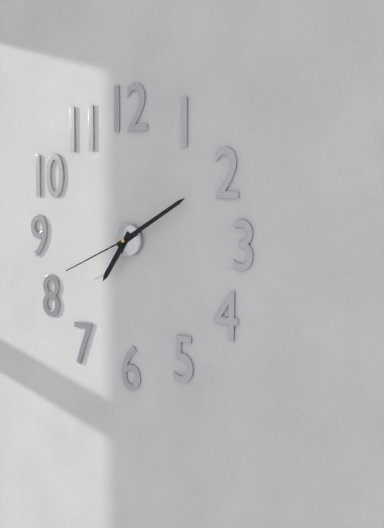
**7:10:41**
